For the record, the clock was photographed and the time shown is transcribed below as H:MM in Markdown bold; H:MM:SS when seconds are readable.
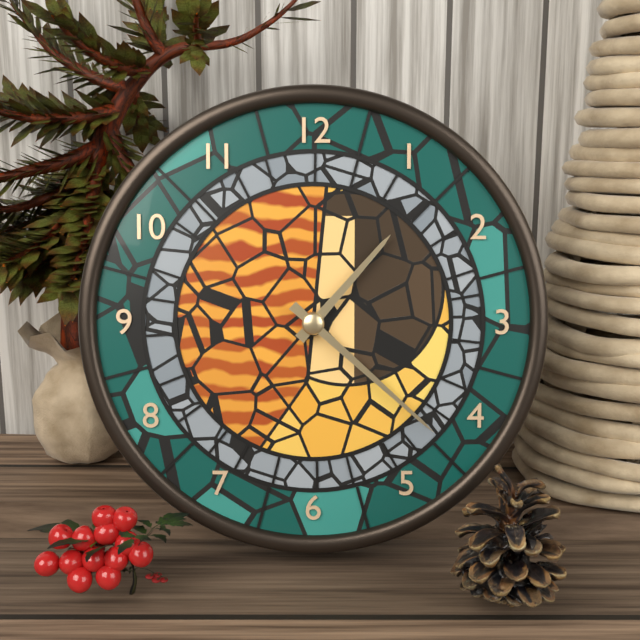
**1:22**
